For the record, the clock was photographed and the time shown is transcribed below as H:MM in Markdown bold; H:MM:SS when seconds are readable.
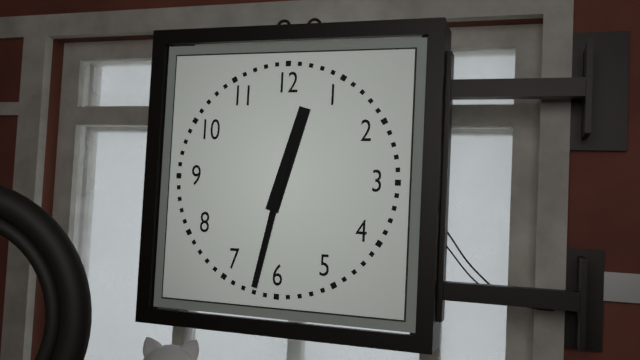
**12:32**
